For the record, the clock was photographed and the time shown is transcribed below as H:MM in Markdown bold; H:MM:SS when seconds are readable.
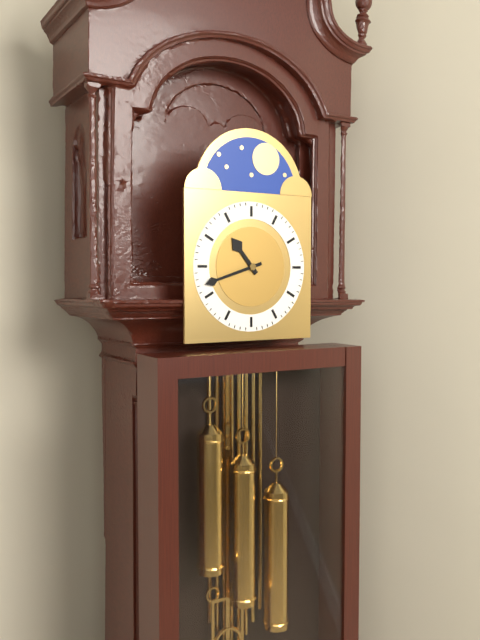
**10:42**
